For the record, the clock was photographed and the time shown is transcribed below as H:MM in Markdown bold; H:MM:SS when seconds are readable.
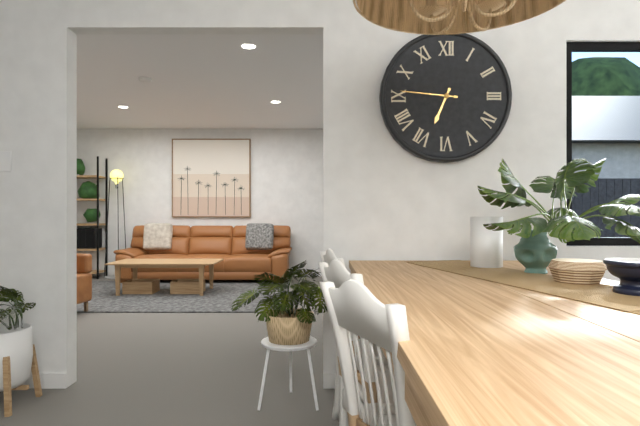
**6:46**
